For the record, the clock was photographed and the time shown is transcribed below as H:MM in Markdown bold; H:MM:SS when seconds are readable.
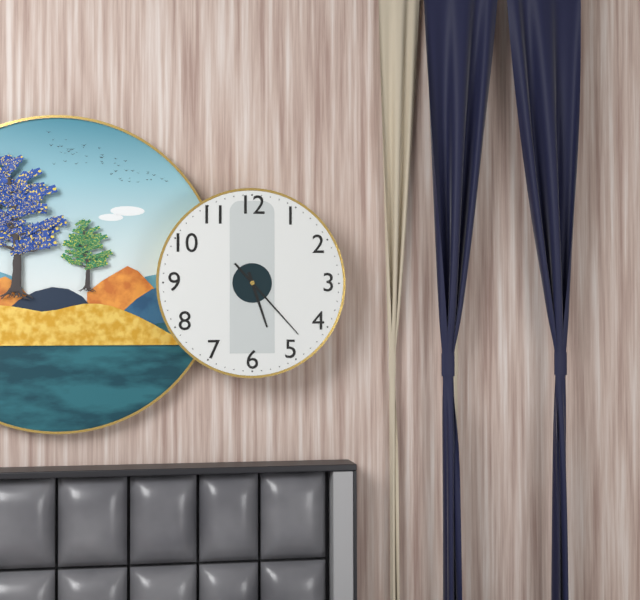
**5:23**
